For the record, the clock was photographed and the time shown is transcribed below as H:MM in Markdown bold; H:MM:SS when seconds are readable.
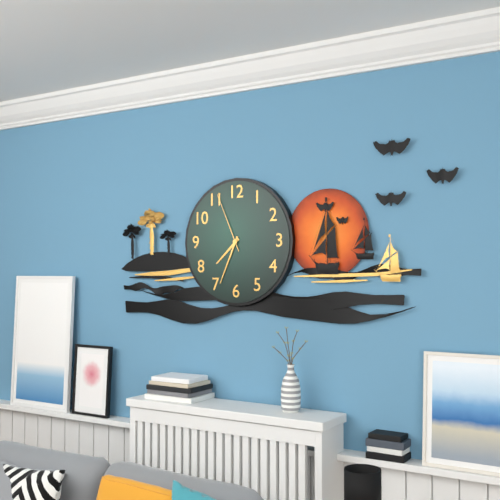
**7:34:56**
